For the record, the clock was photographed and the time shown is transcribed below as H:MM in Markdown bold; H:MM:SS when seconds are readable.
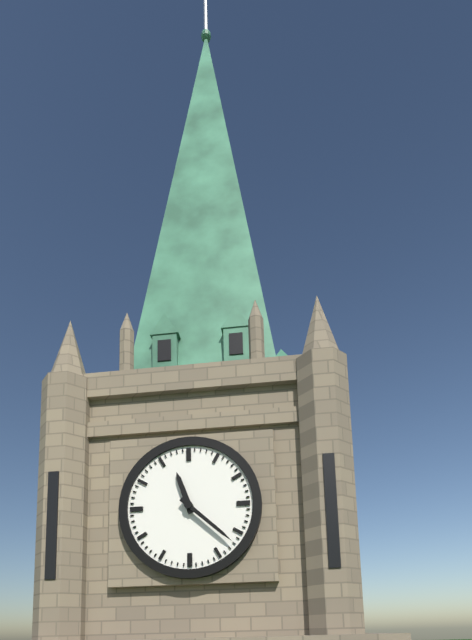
**11:22**
